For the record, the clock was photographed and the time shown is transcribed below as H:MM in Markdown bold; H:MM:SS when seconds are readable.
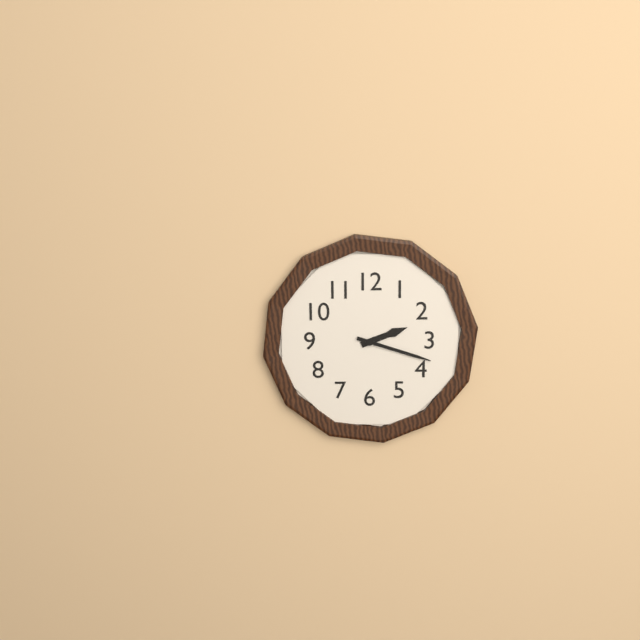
**2:18**
